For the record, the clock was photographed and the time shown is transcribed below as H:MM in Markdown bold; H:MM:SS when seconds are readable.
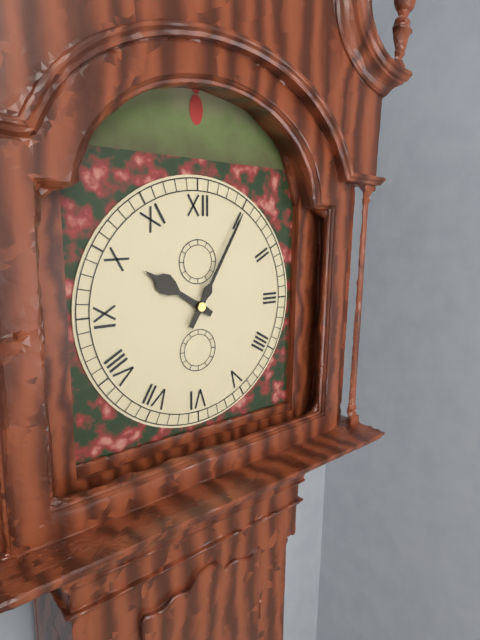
**10:05**
